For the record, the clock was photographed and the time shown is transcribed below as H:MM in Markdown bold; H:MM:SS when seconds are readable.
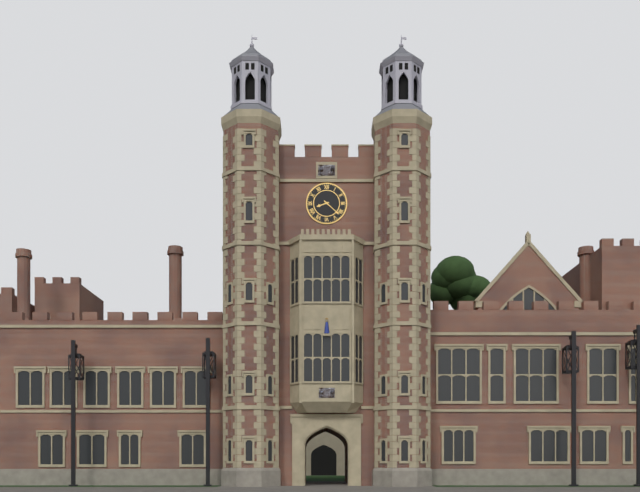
**8:22**
